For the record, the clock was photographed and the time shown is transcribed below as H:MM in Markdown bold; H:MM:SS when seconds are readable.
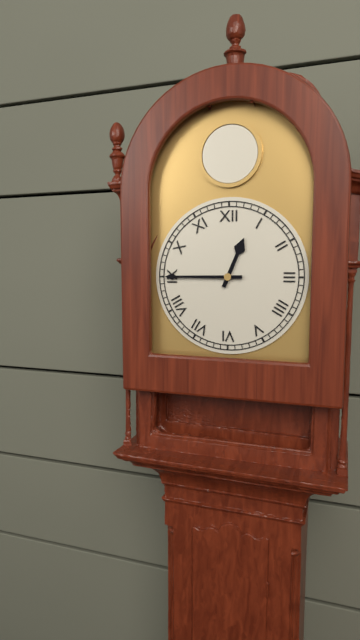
**12:45**
